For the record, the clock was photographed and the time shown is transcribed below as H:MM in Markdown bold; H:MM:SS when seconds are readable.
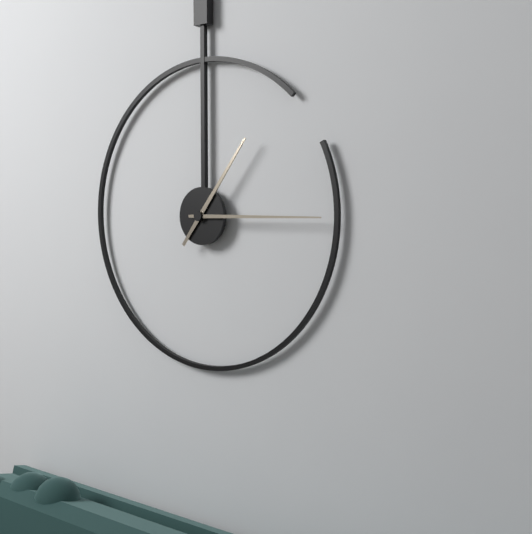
**1:15**
